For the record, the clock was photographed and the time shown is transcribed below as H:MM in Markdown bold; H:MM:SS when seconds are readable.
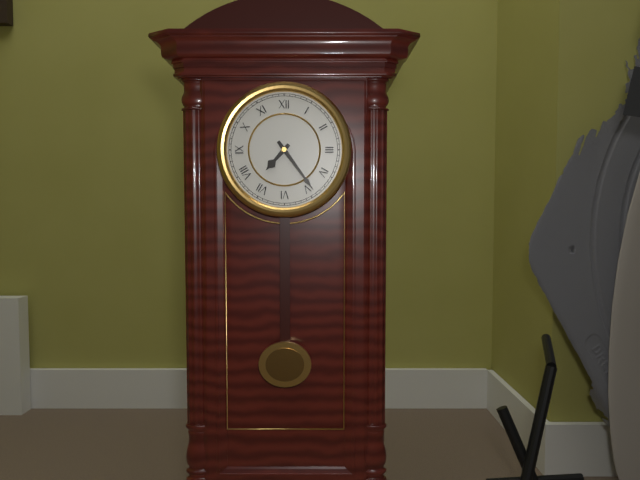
**7:24**
